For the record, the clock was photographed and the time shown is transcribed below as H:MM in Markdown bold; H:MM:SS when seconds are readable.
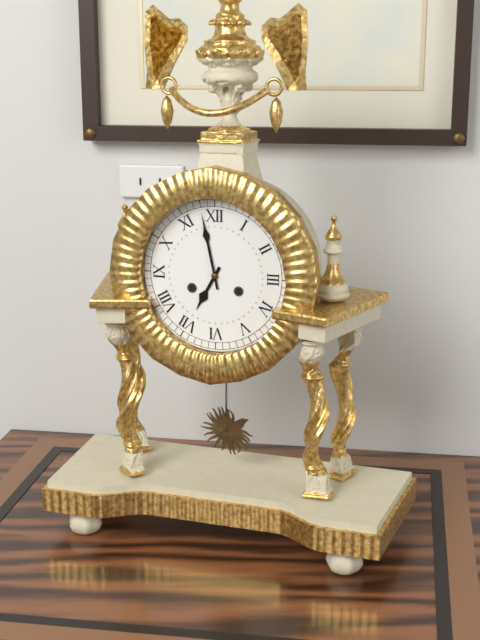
**6:58**
